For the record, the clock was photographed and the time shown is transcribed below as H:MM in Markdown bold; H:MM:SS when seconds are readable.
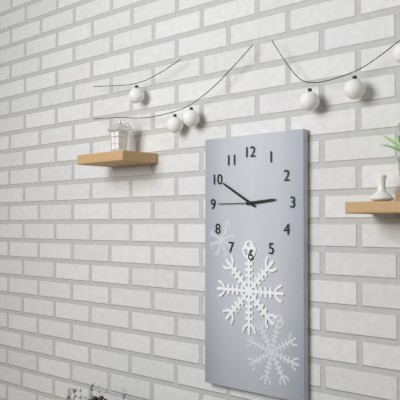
**2:50**
